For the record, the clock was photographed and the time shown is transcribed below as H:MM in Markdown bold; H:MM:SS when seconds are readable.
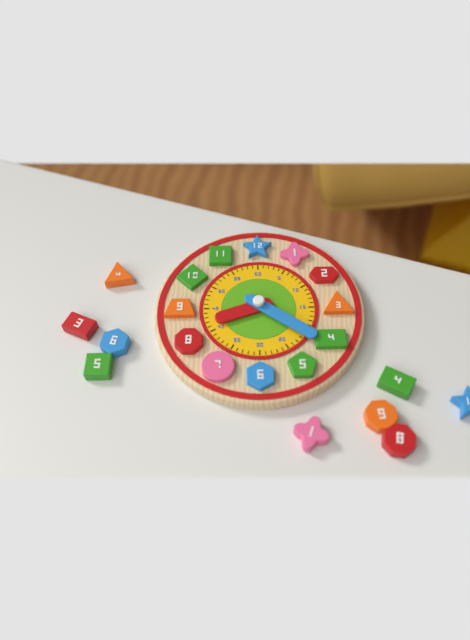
**8:21**
